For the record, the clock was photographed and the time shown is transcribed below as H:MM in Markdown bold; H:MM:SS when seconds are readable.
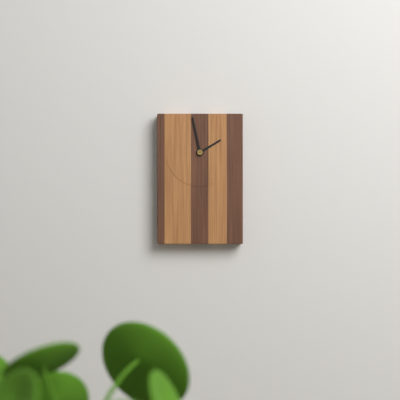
**1:58**
